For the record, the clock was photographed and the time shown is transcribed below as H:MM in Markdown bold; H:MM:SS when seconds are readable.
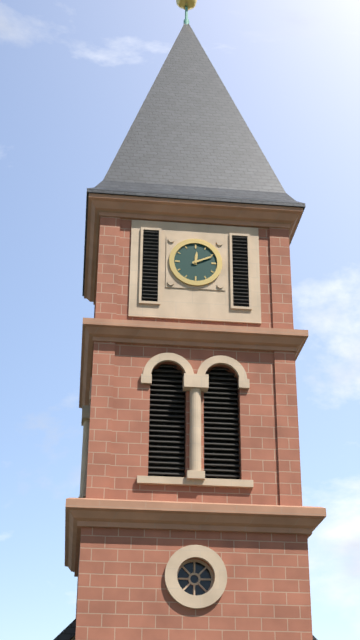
**12:11**
